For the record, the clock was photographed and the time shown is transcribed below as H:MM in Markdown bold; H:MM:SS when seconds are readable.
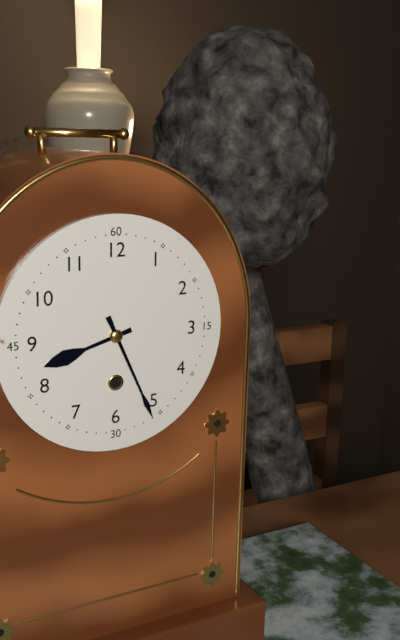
**8:26**
